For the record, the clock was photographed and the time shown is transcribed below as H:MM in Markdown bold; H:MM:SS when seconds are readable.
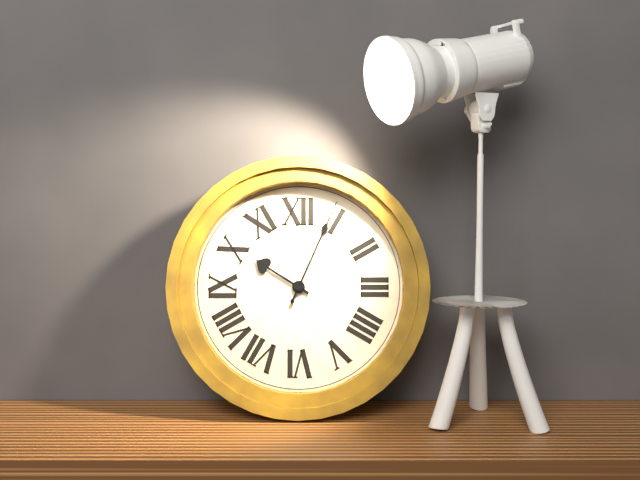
**10:04**
